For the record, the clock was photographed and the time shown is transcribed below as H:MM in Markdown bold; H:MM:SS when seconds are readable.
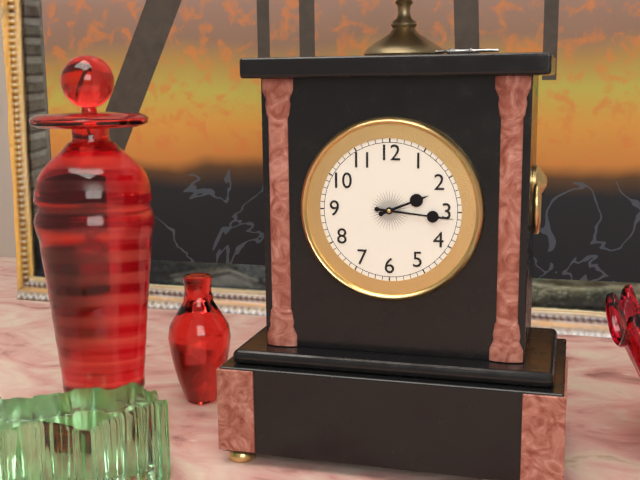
**2:16**
